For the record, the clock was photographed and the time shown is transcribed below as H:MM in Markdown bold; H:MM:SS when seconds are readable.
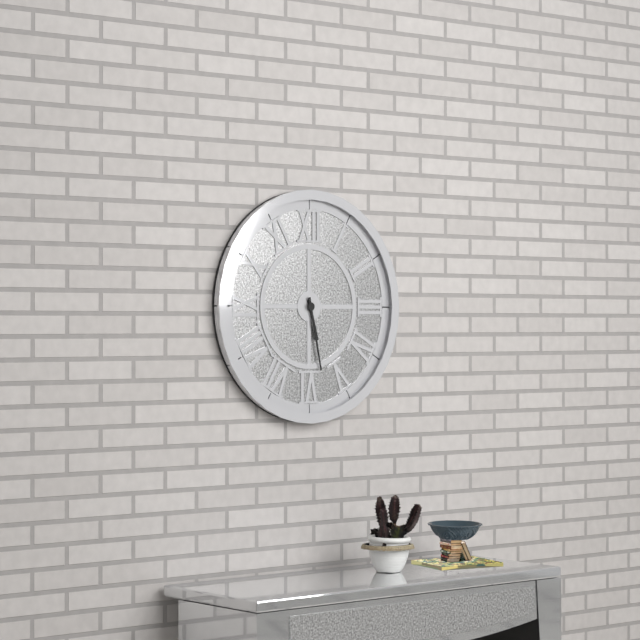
**5:28**
